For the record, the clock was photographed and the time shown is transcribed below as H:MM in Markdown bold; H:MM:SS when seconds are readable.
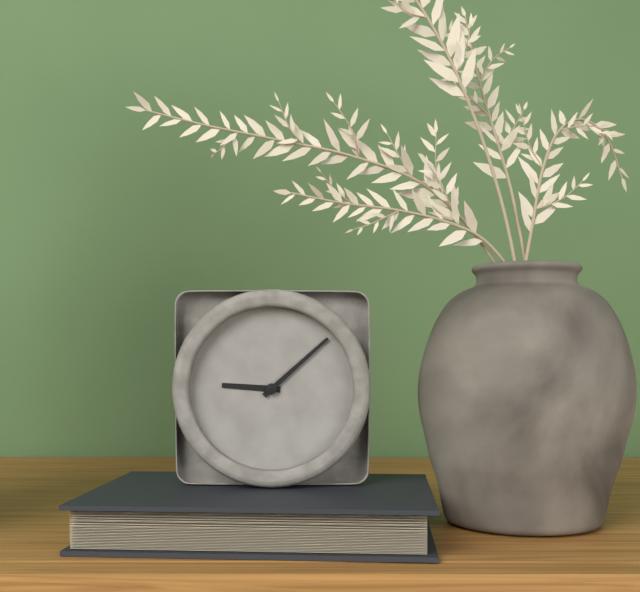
**9:08**
